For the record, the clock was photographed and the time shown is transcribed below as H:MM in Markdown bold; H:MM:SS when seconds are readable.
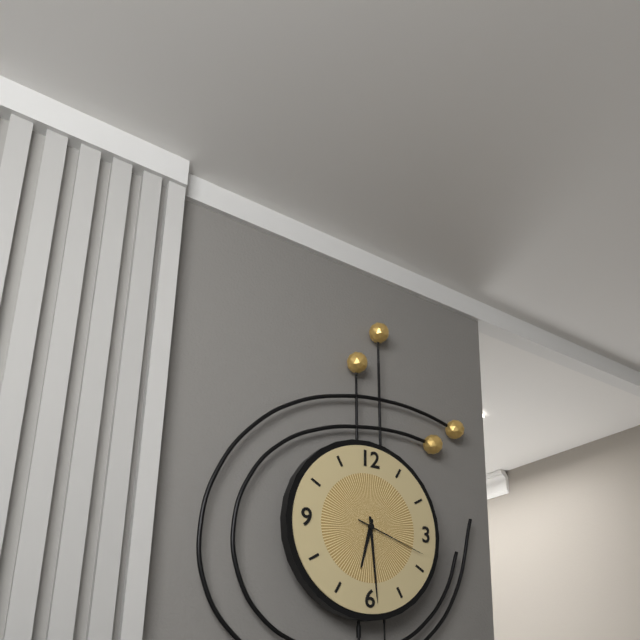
**6:29:18**
